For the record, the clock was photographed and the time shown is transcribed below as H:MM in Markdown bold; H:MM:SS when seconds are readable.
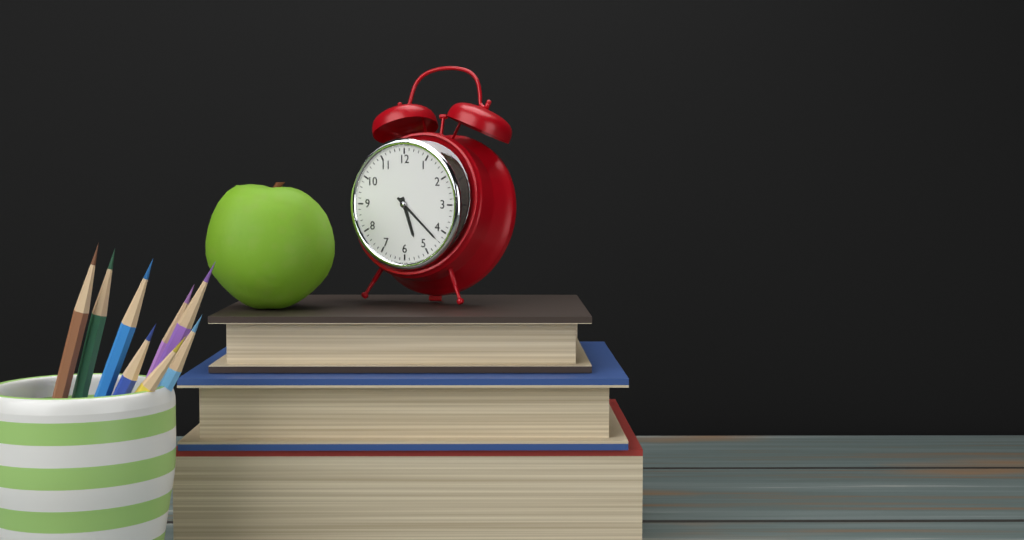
**5:22**
